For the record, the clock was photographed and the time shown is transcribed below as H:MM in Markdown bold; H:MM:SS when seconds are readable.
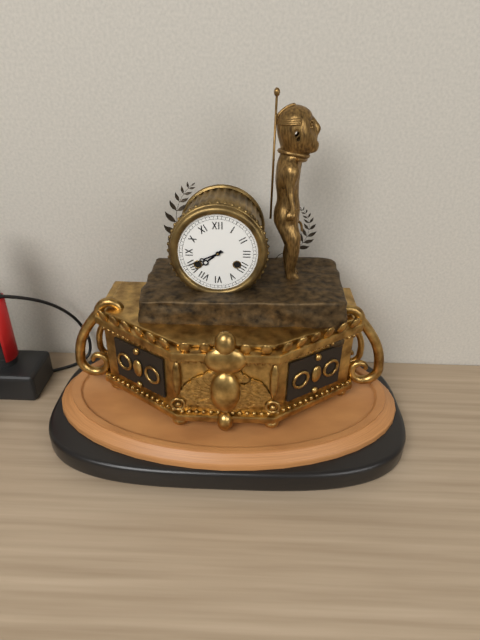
**7:41**
